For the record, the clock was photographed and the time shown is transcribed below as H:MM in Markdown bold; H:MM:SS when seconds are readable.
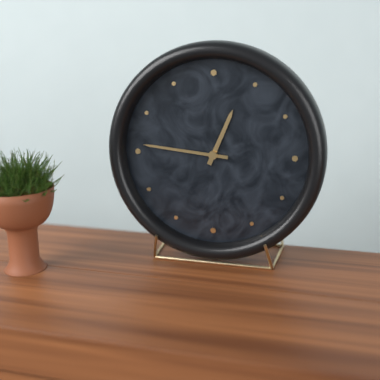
**12:46**
